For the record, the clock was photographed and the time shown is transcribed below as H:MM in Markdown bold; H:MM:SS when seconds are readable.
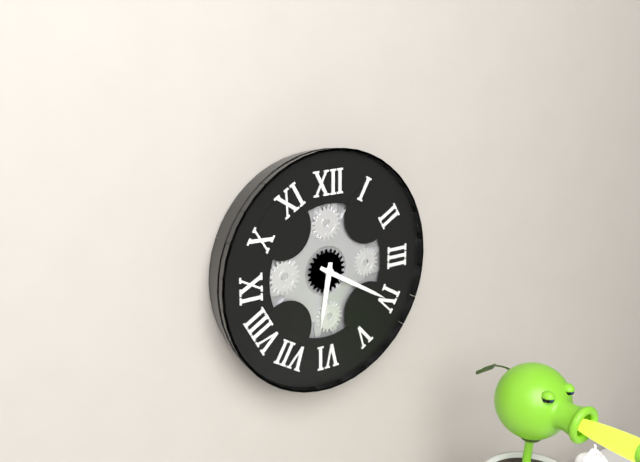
**6:20**
